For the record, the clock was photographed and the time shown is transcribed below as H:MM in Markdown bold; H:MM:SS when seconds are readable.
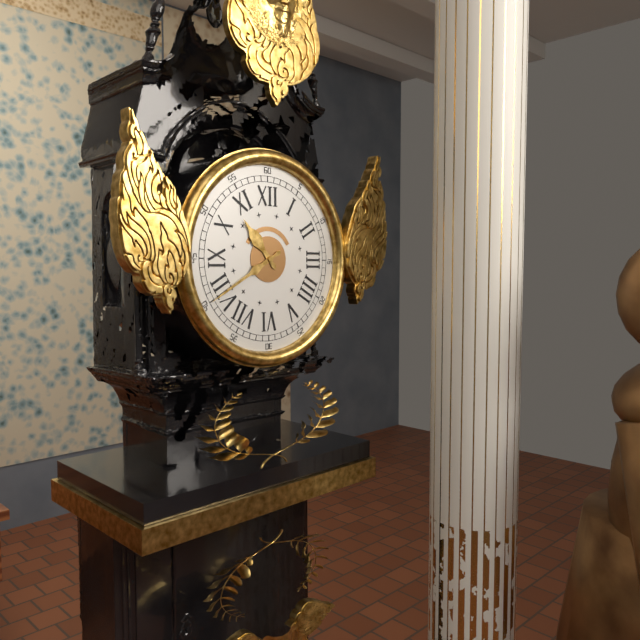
**10:40**
